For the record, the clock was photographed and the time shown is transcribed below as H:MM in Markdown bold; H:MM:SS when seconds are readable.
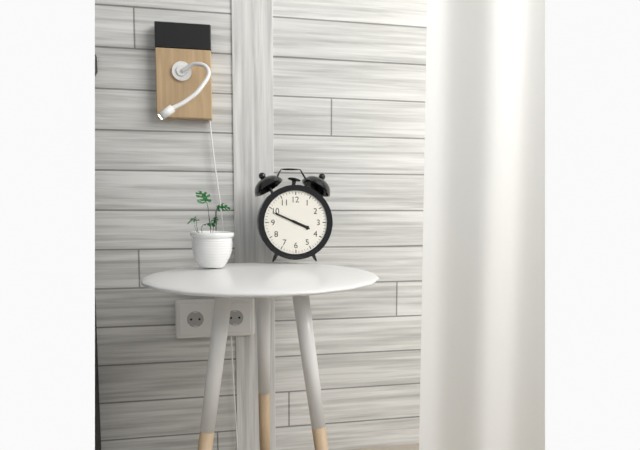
**3:49**
